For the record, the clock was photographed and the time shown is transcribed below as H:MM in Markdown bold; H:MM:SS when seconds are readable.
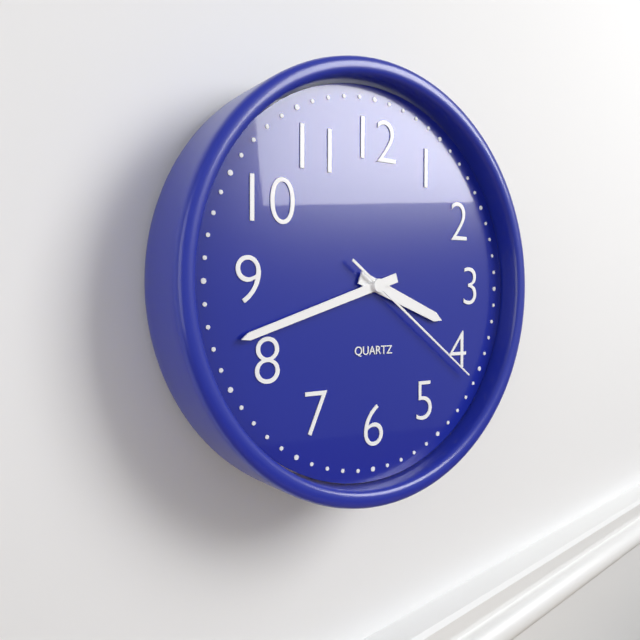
**3:42:21**
